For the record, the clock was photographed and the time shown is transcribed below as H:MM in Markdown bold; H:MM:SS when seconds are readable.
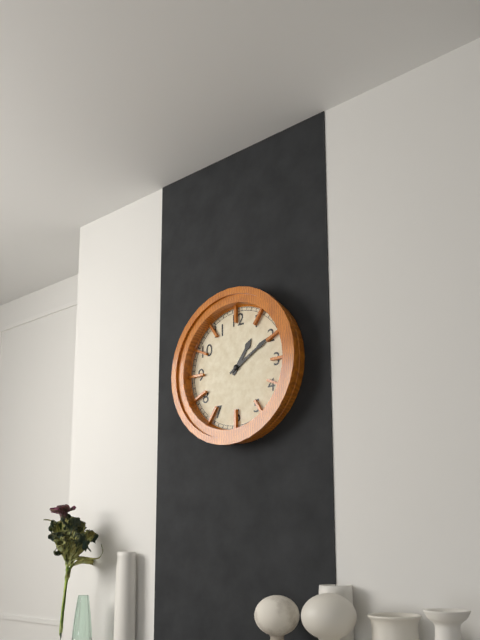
**1:10**
